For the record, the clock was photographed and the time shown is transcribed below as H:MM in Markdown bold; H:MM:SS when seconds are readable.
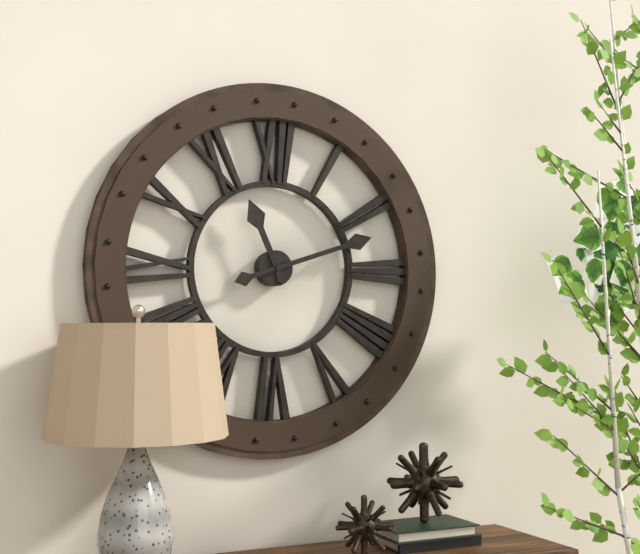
**11:12**
